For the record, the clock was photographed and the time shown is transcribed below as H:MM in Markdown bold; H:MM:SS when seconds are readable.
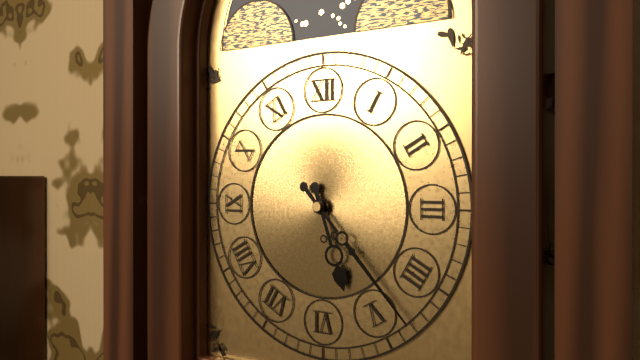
**5:23**
